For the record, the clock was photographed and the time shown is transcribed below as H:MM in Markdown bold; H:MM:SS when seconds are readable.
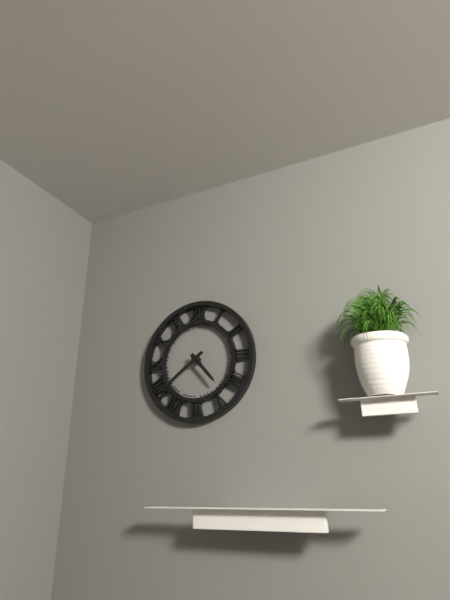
**4:39**
